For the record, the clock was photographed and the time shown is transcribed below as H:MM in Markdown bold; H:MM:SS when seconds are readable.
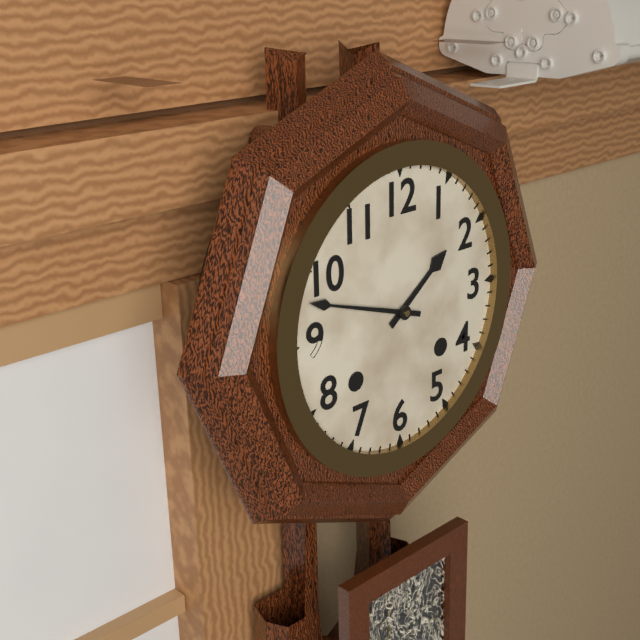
**1:48**
